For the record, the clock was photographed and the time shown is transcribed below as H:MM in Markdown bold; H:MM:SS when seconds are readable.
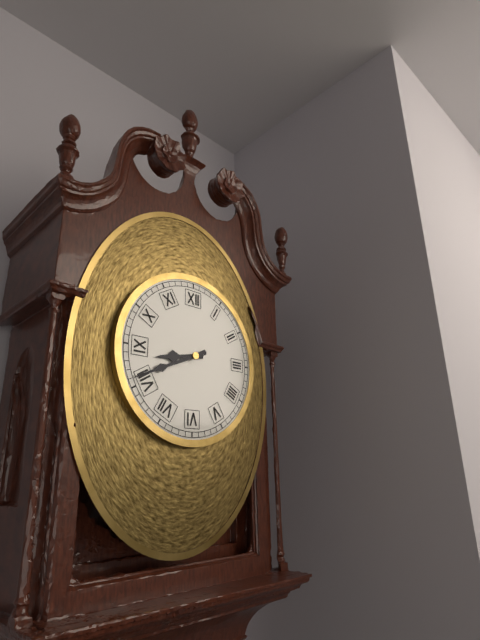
**8:41**
